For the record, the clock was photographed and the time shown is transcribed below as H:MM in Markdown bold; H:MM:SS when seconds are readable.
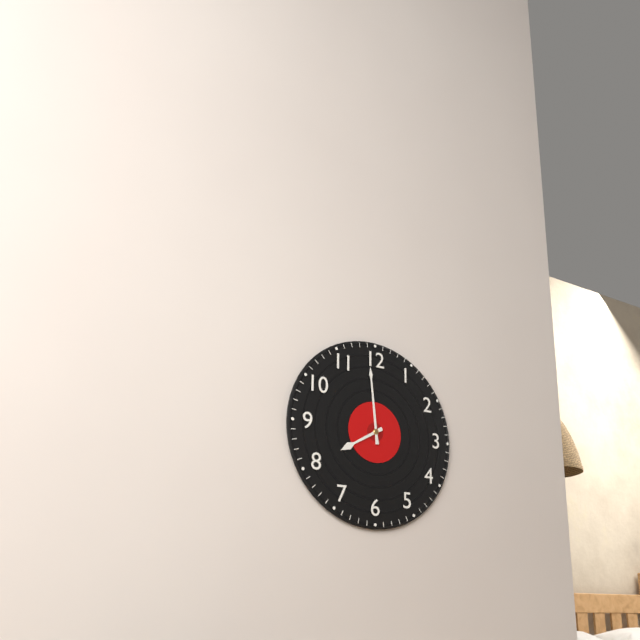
**7:59**
